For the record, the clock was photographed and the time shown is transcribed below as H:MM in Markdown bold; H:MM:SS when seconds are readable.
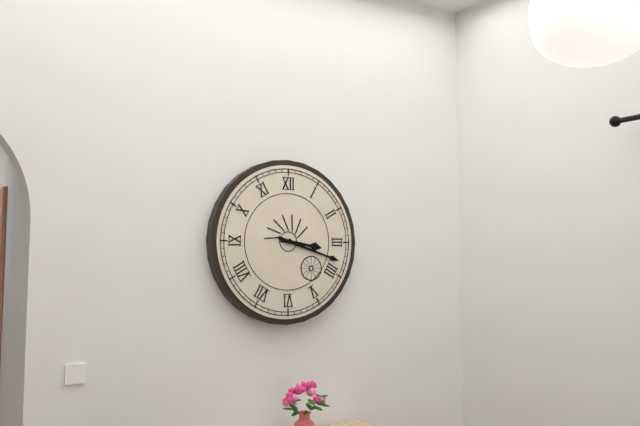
**3:18**
